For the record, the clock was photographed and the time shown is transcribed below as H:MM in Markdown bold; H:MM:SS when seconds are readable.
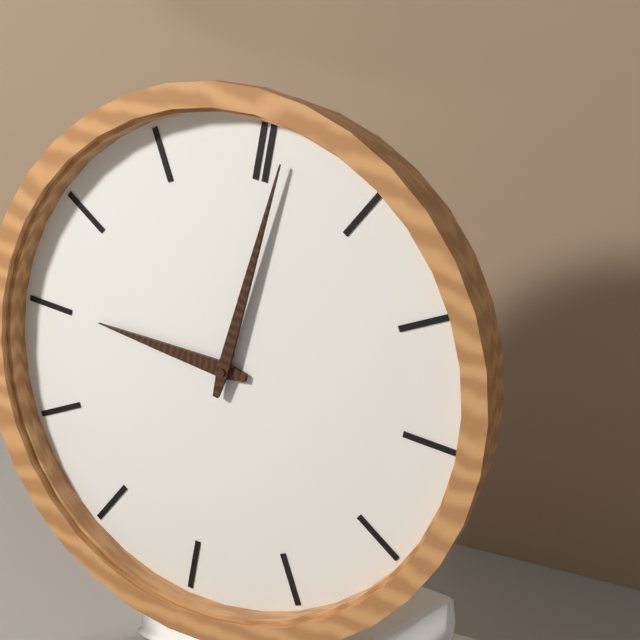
**9:01**
